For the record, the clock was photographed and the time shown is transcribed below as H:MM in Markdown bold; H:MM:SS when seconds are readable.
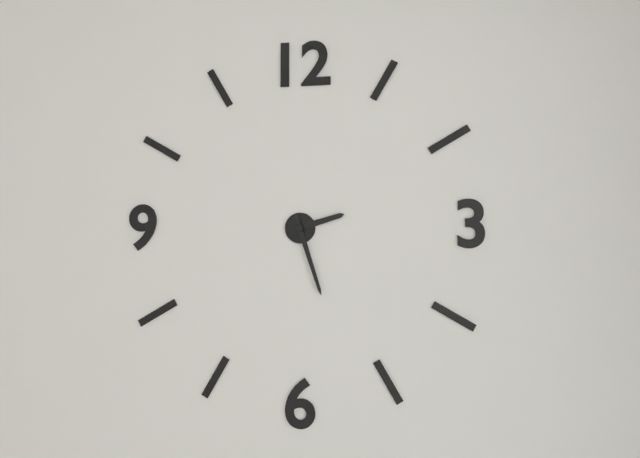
**2:27**
